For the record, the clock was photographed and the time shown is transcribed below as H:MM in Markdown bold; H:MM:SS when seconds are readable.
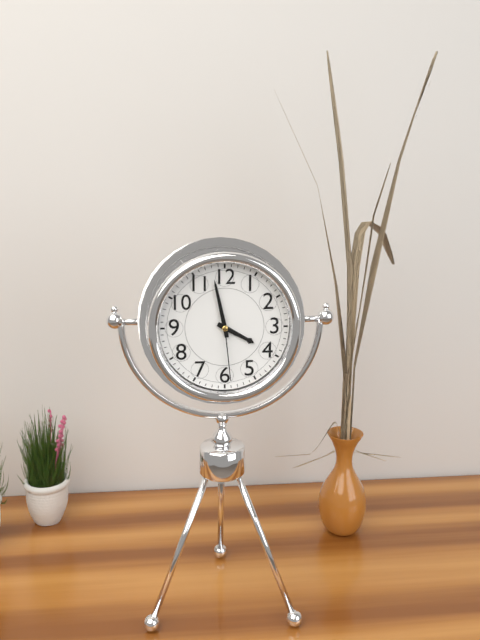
**3:58:29**
